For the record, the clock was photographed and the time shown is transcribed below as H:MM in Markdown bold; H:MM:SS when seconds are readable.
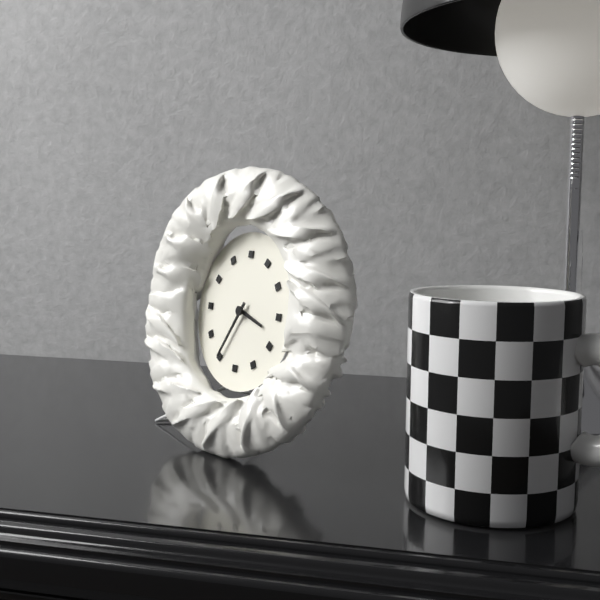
**3:35**
